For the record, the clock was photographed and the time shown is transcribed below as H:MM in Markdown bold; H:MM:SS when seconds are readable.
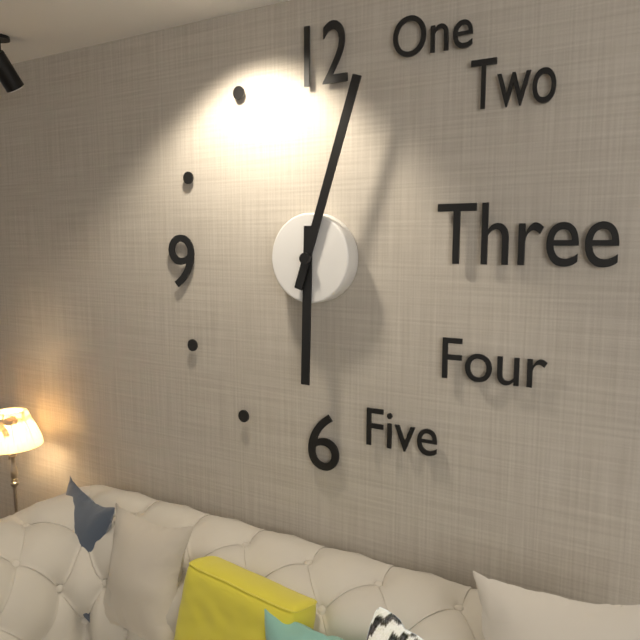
**6:03**
